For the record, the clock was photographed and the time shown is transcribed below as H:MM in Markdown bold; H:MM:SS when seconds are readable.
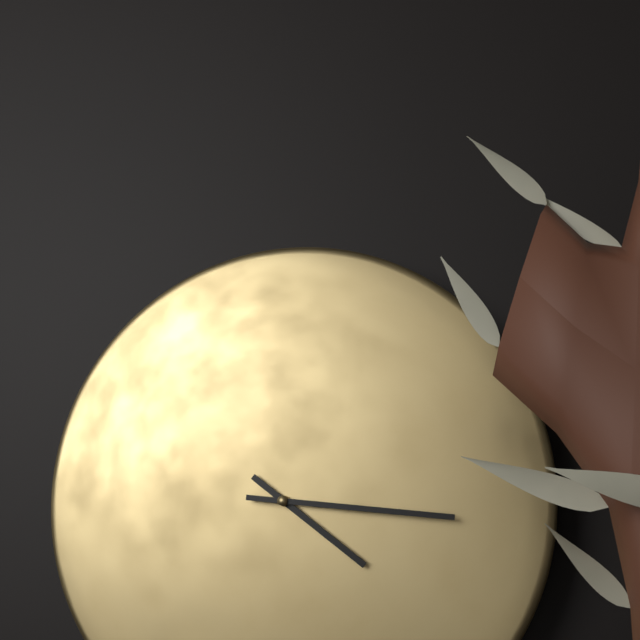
**4:16**
